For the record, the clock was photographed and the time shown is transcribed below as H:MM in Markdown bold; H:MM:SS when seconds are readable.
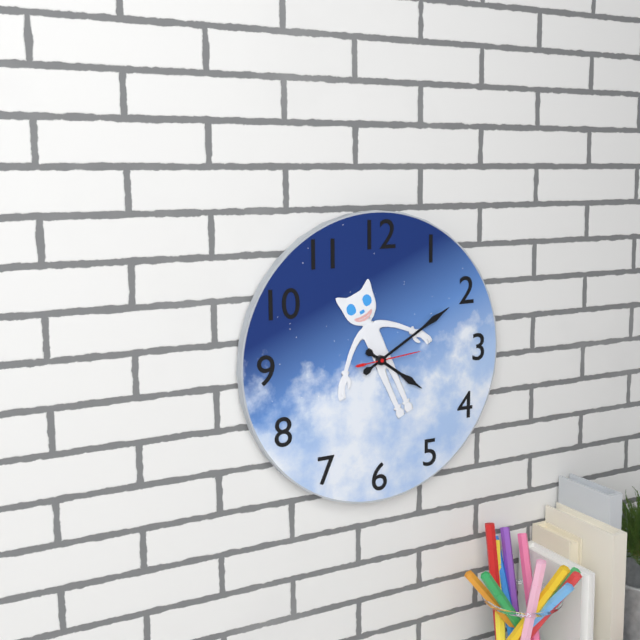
**4:10:14**
